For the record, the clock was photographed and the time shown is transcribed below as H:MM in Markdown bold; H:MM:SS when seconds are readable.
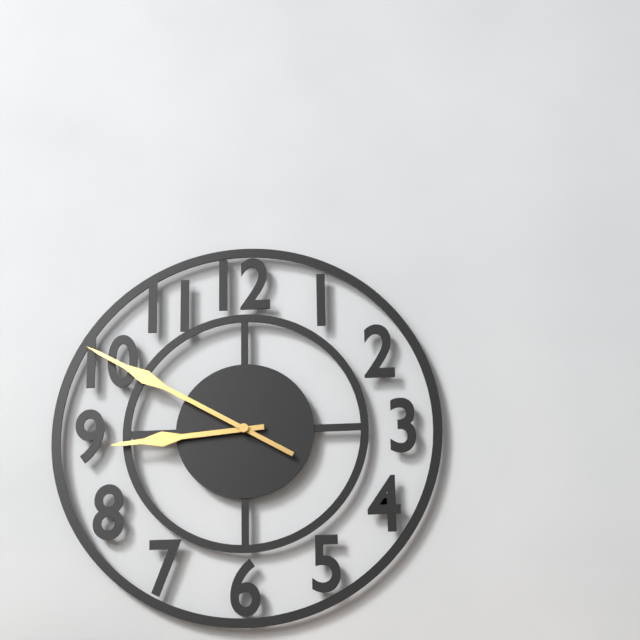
**8:50**
